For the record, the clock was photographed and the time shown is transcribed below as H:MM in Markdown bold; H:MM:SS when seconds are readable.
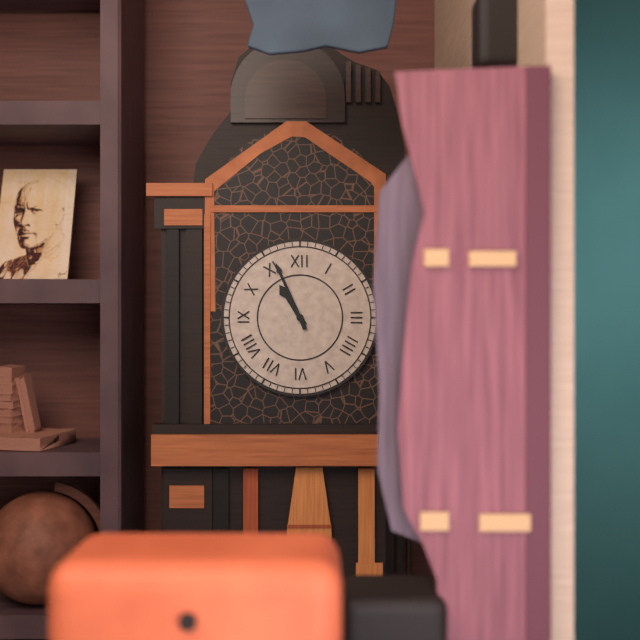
**10:56**
